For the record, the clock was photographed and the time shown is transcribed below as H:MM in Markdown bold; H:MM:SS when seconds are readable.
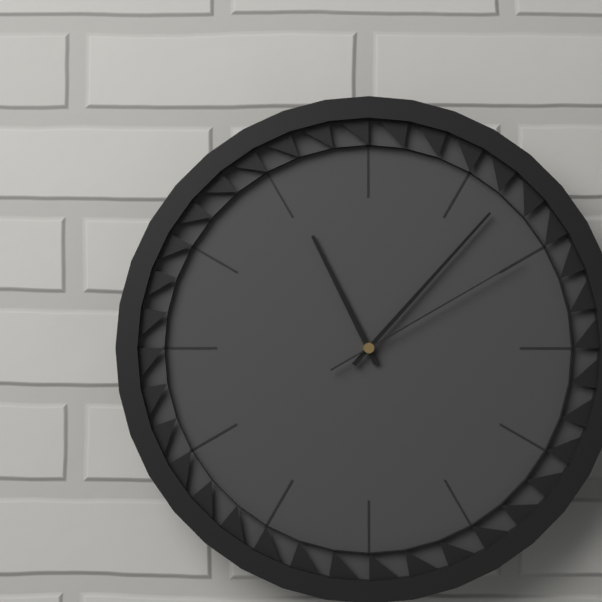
**11:07:10**
